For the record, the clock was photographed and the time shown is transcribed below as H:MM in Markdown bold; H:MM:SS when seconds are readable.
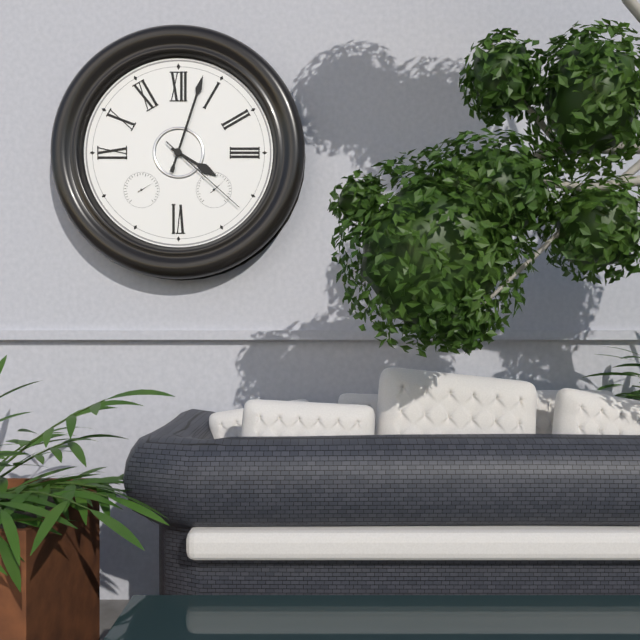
**4:03:22**
